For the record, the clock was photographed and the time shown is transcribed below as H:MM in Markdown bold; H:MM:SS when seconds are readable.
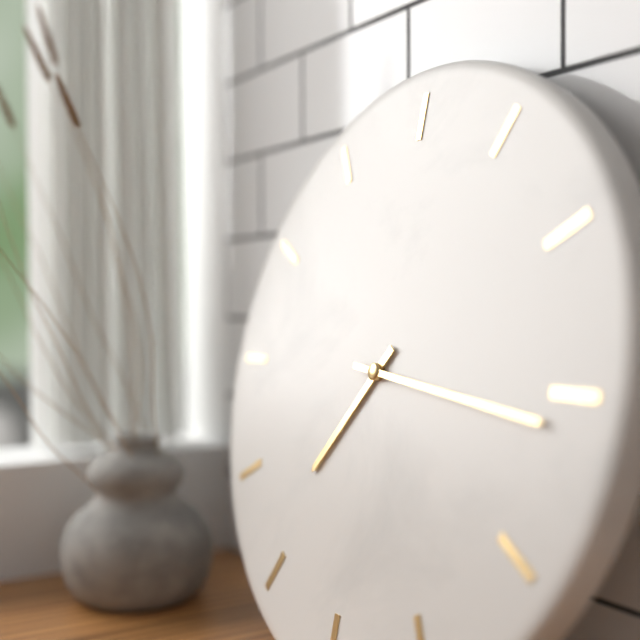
**7:16**
